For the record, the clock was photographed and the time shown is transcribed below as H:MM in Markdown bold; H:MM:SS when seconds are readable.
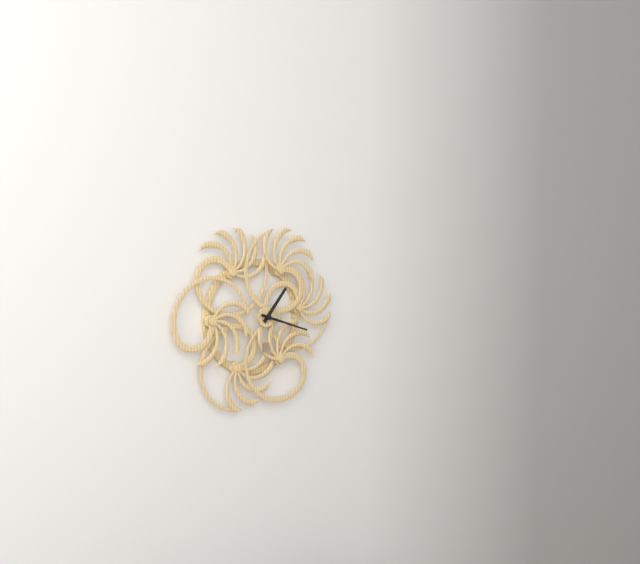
**1:18**
